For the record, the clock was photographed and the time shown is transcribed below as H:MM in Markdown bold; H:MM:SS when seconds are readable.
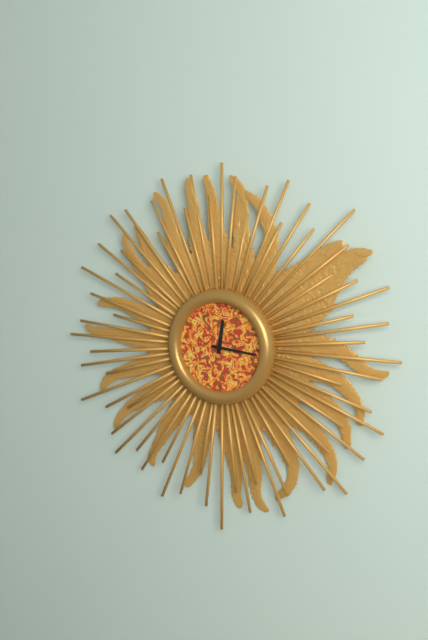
**12:16**
